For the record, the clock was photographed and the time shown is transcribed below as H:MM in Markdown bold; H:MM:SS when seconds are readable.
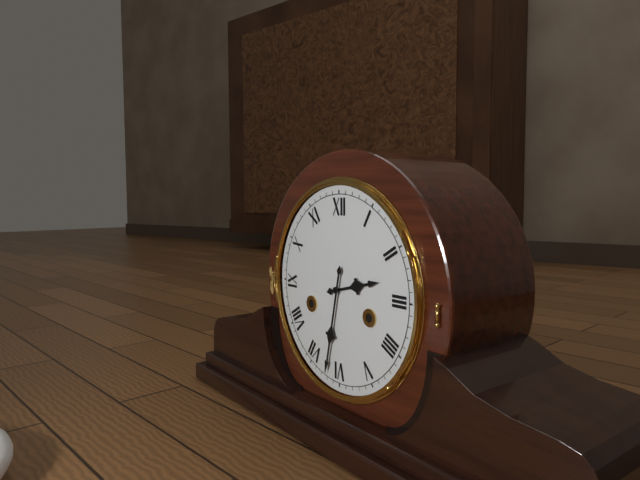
**2:32**
